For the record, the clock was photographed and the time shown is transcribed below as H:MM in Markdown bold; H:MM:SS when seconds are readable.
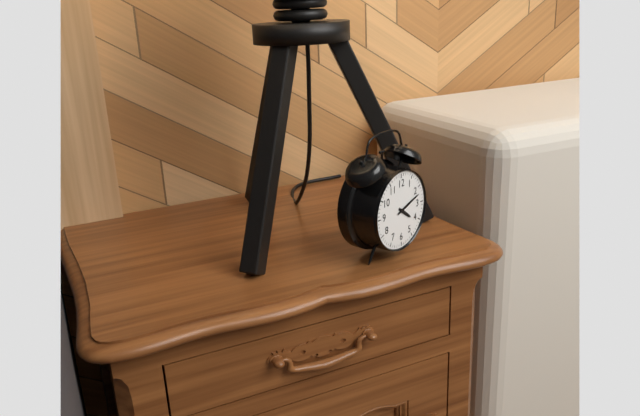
**4:12**
